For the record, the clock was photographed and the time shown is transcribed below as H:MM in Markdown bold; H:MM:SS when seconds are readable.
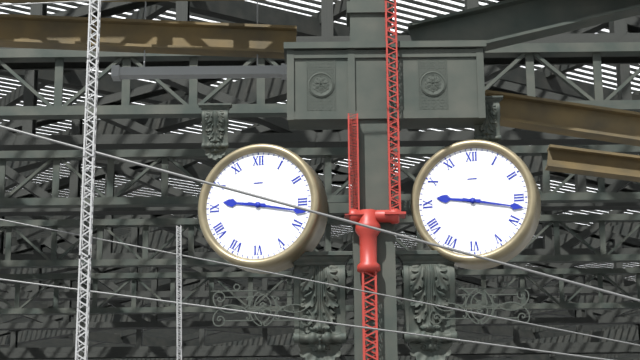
**9:17**
